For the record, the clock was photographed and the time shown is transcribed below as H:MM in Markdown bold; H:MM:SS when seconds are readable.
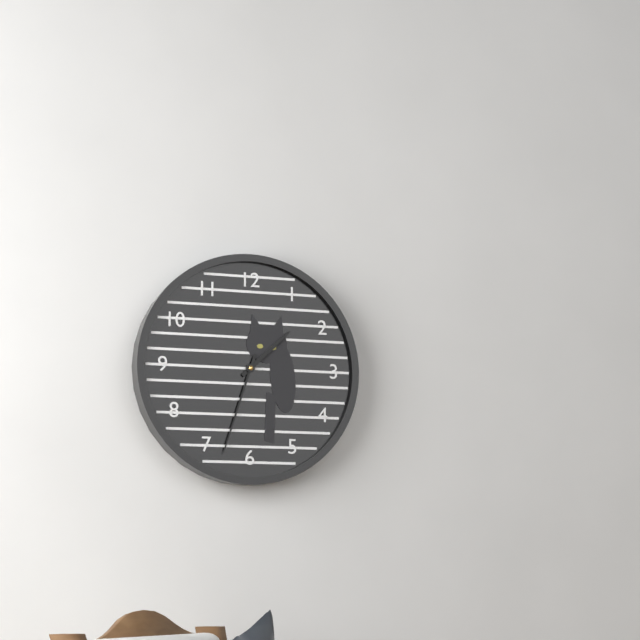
**1:33**
